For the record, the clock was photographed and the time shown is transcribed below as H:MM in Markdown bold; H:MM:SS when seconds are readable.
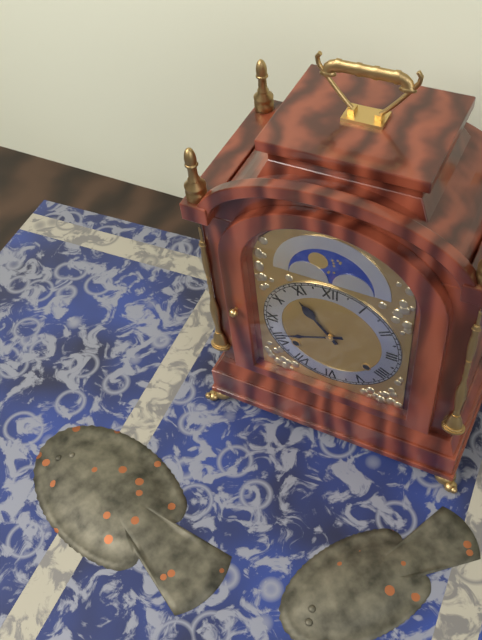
**10:41**
